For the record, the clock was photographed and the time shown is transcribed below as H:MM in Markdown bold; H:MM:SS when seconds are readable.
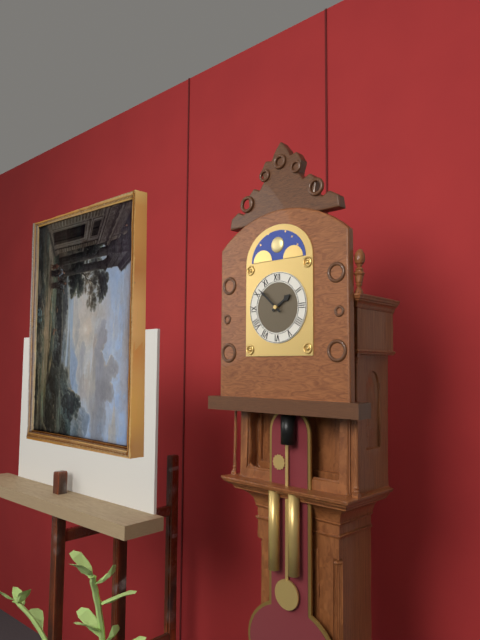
**1:52**
